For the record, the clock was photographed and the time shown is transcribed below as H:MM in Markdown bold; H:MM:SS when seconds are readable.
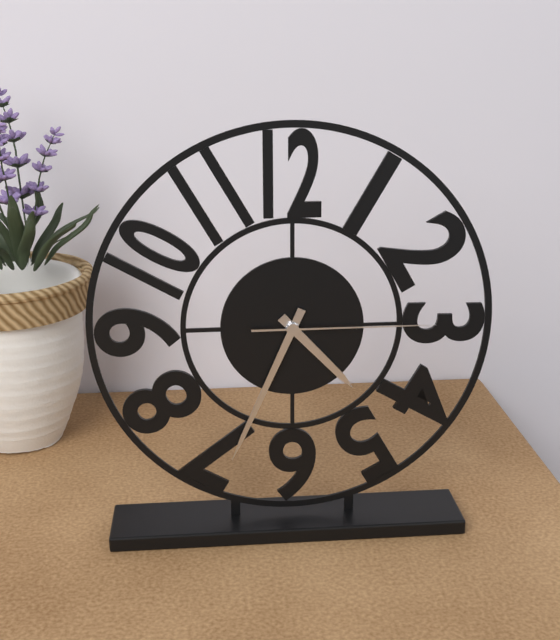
**4:34:15**
